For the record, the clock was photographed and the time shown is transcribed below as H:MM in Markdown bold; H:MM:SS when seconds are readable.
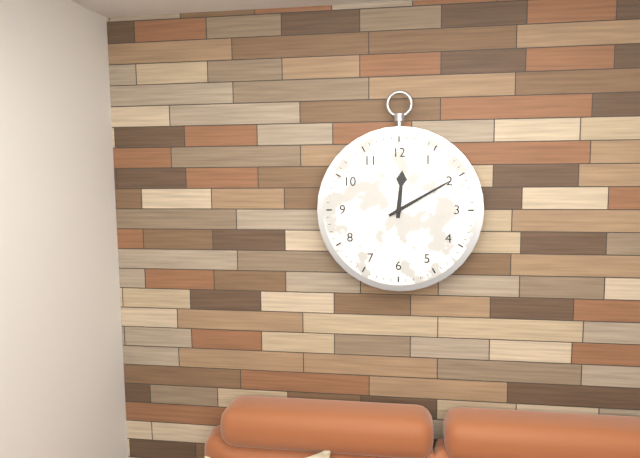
**12:10**
